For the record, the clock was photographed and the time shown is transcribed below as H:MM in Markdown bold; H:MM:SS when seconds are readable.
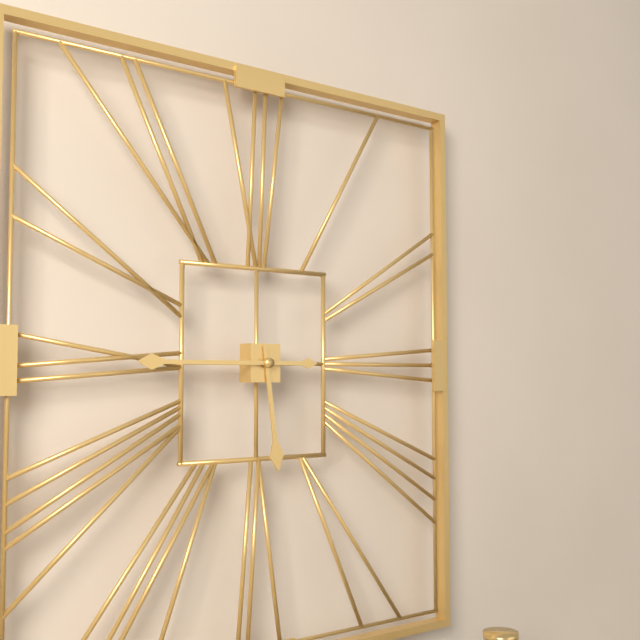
**5:45**
